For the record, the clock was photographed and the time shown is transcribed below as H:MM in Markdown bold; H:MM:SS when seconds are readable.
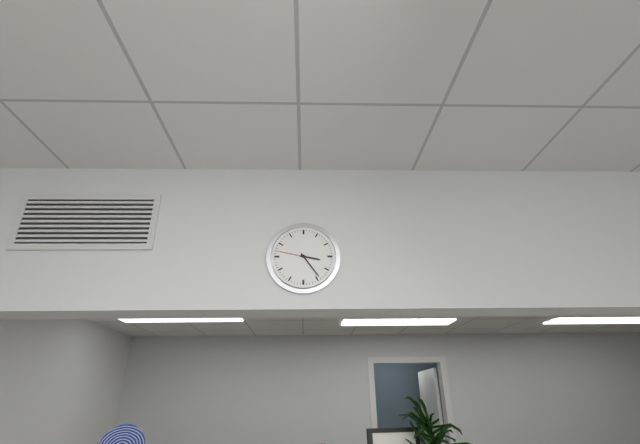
**3:24**
